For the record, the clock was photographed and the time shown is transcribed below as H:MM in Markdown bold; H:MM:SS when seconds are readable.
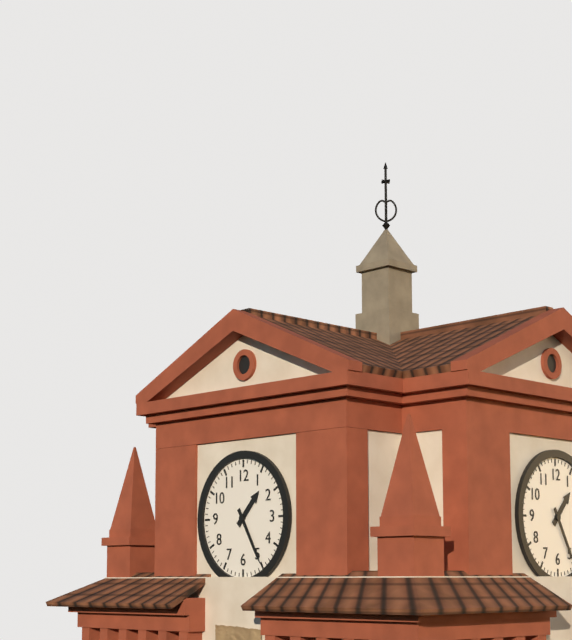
**1:25**
